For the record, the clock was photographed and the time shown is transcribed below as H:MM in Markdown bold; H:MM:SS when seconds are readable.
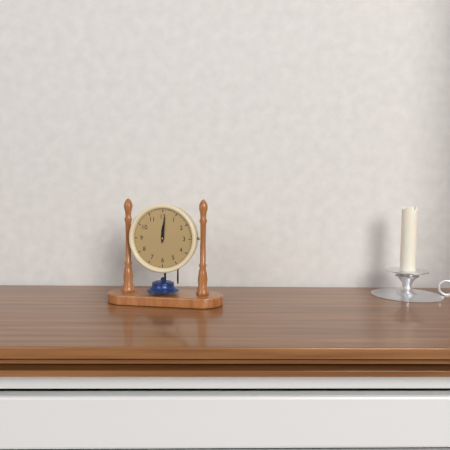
**12:01**
